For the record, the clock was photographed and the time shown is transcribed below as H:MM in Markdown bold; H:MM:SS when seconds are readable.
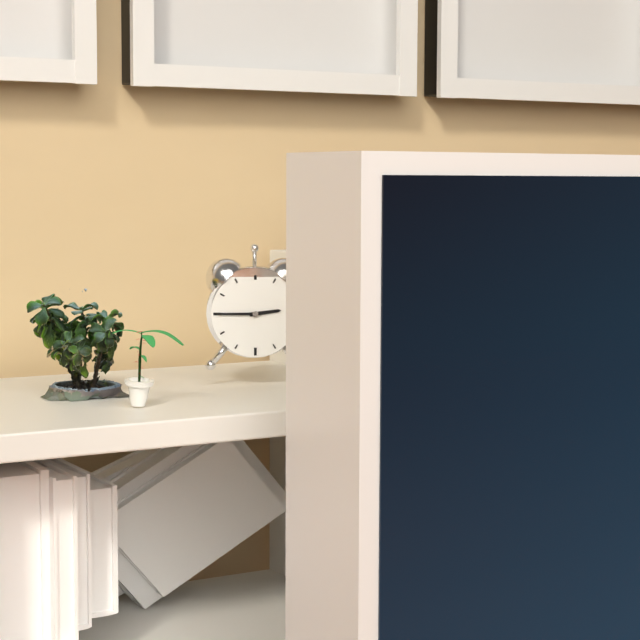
**2:45**
